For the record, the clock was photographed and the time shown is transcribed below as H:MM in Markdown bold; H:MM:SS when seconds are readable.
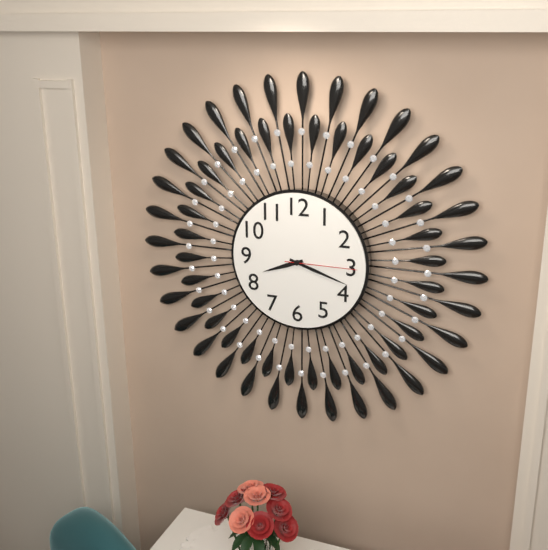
**8:18:15**
